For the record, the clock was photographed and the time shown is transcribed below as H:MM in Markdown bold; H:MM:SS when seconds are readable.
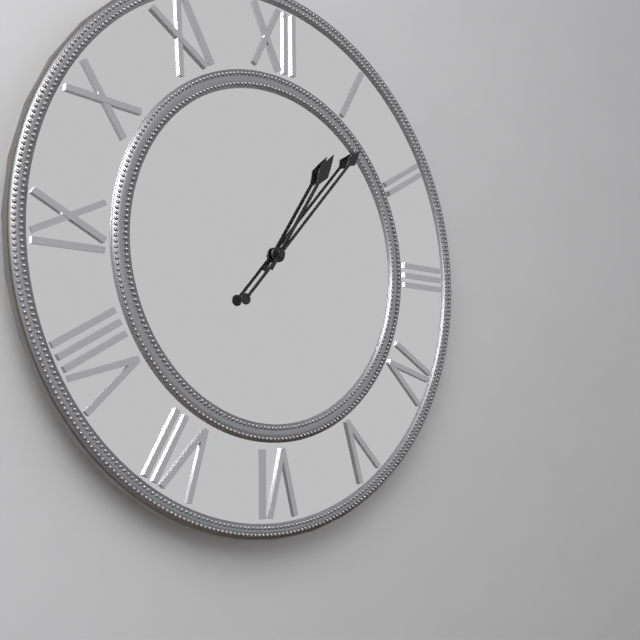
**1:07**
